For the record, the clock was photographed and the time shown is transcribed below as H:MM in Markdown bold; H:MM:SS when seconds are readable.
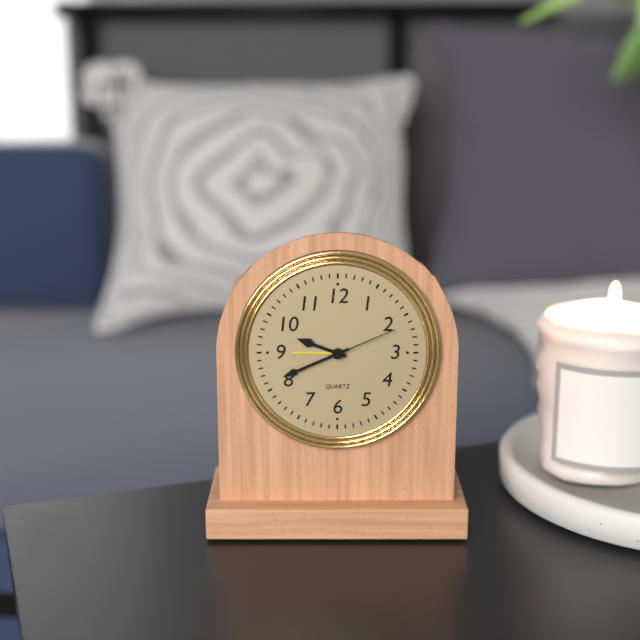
**9:41:11**
